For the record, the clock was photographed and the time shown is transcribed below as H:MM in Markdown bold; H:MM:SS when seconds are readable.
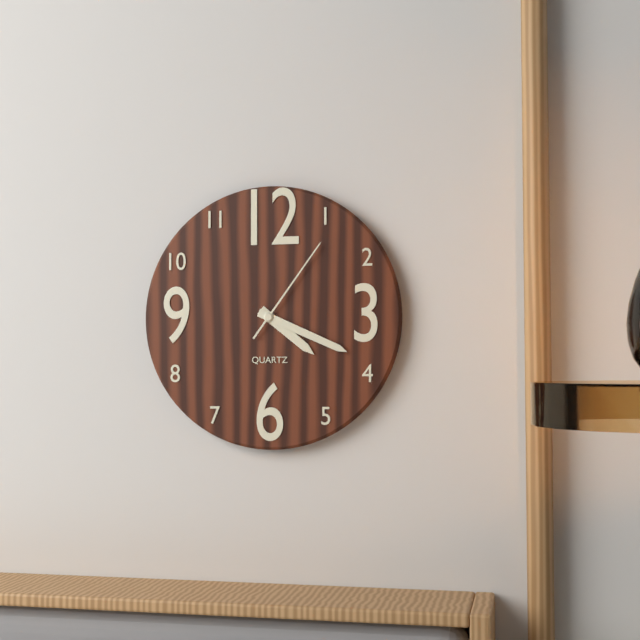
**4:19:06**
